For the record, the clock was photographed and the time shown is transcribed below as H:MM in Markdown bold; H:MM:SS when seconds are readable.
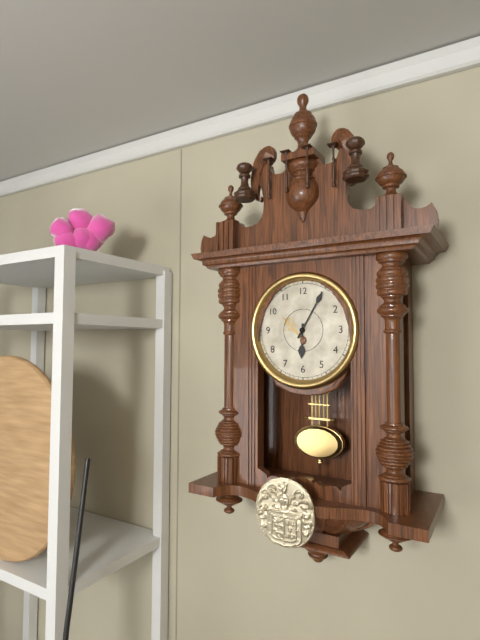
**6:05**
